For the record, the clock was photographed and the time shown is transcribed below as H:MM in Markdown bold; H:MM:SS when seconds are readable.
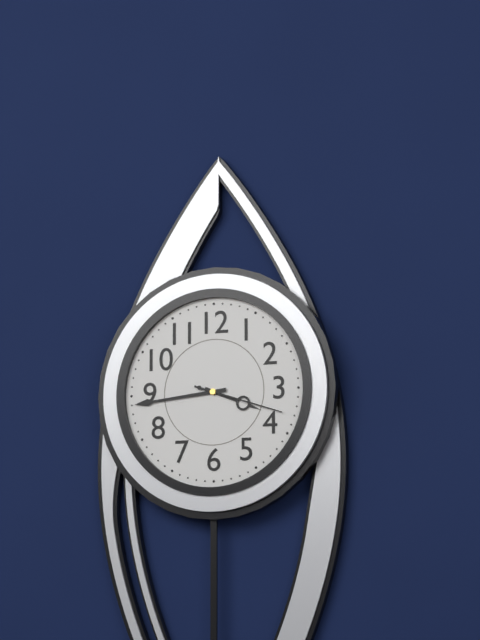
**3:44:18**
